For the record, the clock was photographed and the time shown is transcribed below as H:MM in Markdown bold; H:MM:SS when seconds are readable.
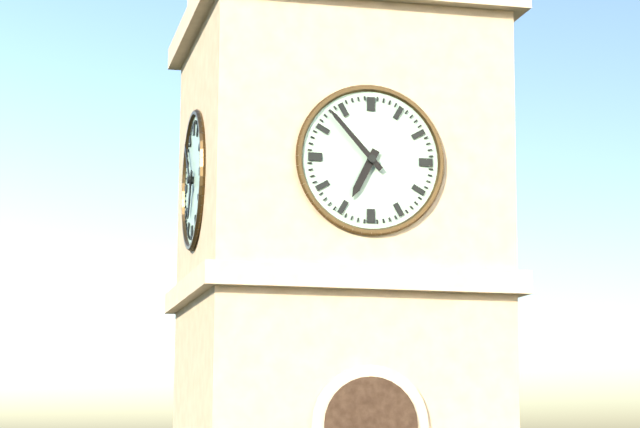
**6:53**
